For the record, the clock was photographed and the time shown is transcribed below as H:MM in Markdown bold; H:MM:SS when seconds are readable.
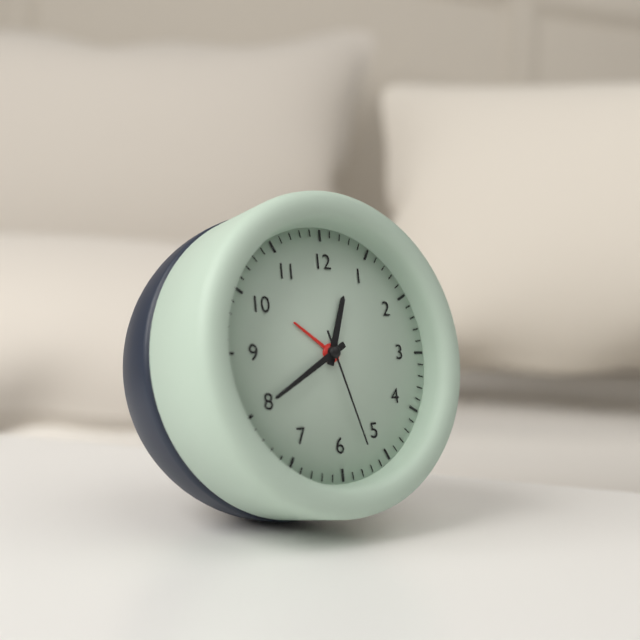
**12:40:27**
